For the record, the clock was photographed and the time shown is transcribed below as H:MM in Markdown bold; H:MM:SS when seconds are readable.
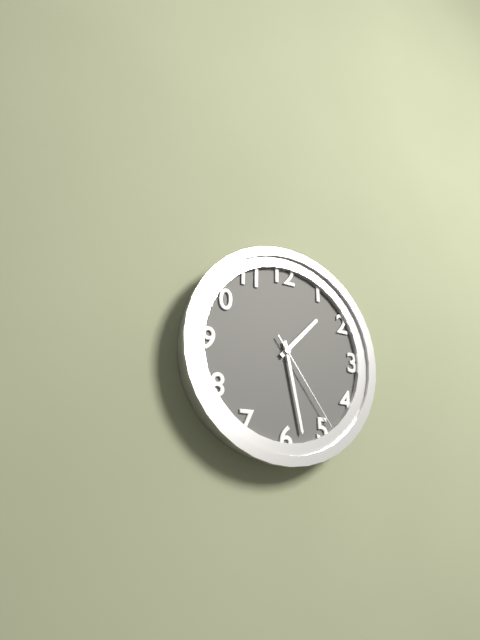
**1:28:24**
